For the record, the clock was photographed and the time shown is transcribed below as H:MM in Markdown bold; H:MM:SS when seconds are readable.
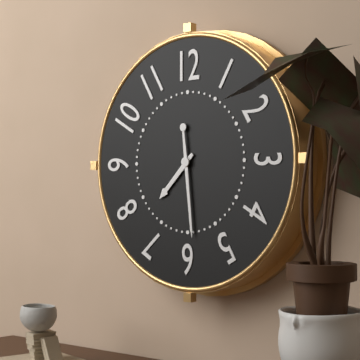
**7:29**
